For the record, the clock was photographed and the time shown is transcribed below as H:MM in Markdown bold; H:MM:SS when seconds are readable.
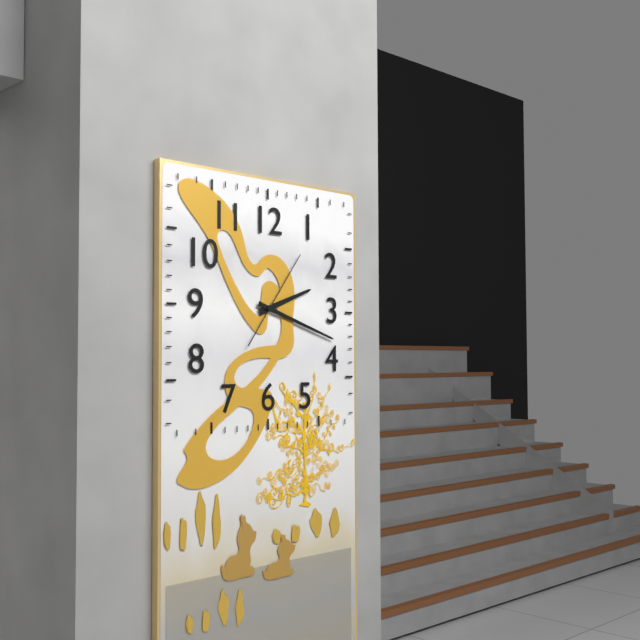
**2:18:06**
